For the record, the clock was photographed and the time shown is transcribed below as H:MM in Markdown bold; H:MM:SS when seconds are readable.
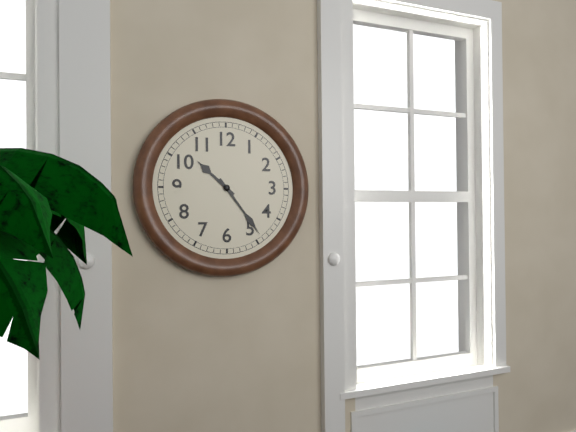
**10:24**
